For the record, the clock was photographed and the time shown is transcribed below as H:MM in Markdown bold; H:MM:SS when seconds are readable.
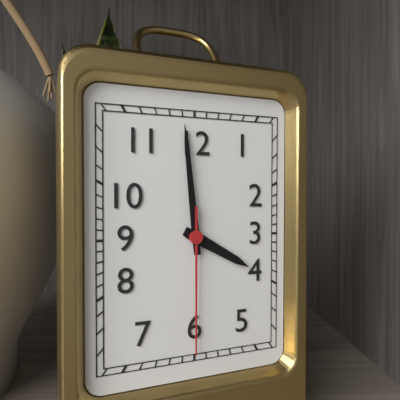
**3:59:30**
